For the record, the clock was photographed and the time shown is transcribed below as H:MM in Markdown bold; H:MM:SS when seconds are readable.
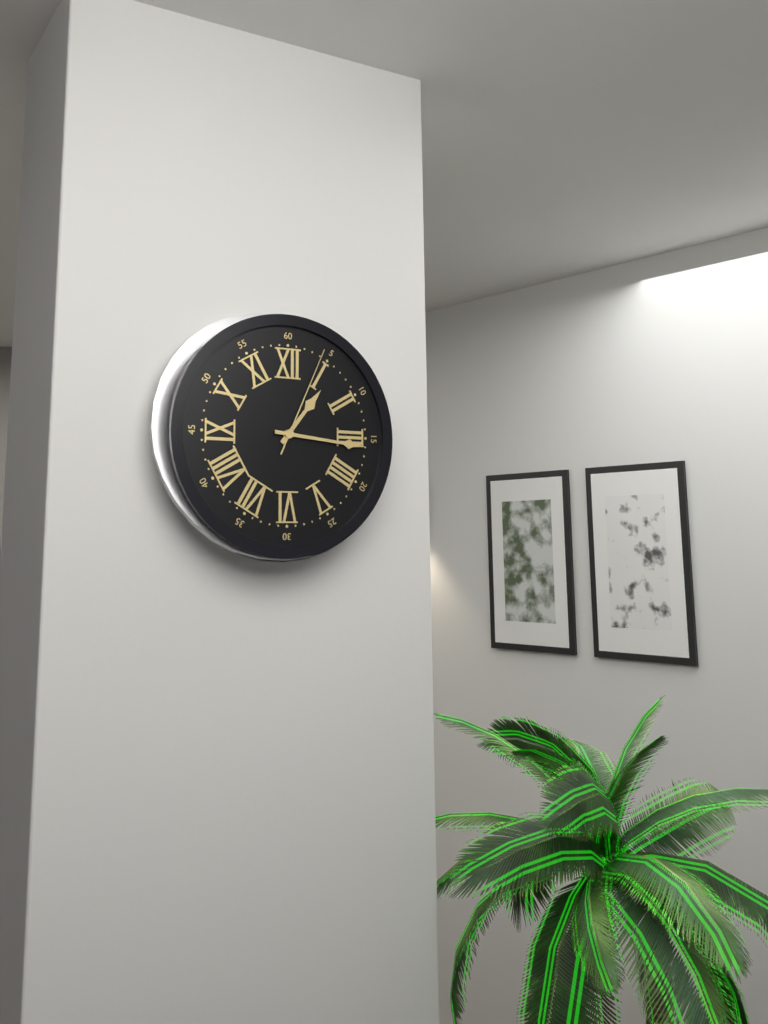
**1:16:04**
